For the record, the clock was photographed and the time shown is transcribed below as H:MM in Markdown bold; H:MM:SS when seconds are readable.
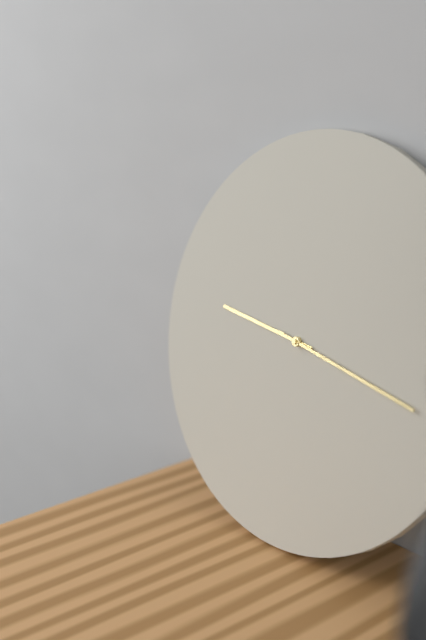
**9:17**
